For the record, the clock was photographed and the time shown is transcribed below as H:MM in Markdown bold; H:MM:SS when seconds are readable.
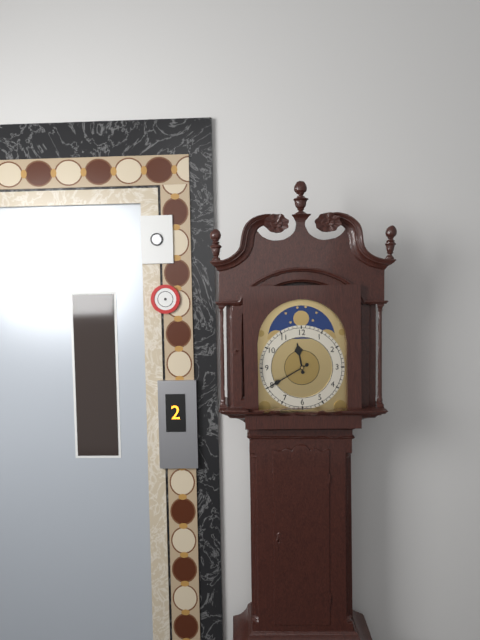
**11:40**
